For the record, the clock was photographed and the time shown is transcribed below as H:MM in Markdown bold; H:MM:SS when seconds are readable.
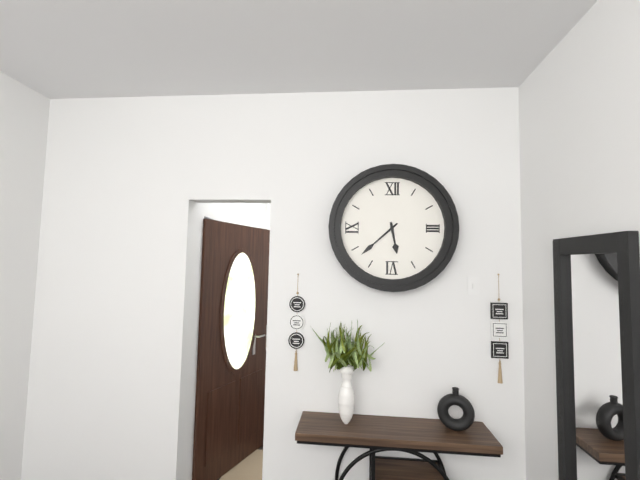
**5:38**
